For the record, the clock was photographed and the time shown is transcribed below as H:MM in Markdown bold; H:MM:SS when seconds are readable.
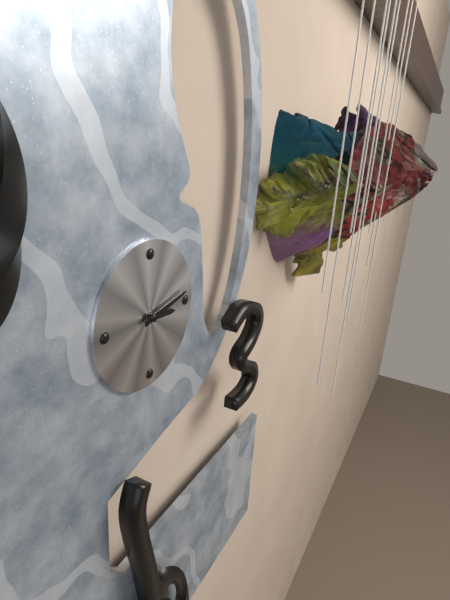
**3:13**
